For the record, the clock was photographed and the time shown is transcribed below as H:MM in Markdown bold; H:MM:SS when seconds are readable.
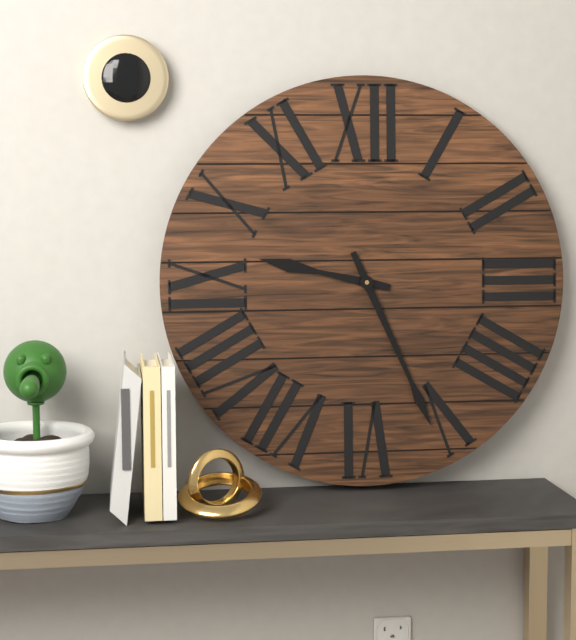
**9:26**
